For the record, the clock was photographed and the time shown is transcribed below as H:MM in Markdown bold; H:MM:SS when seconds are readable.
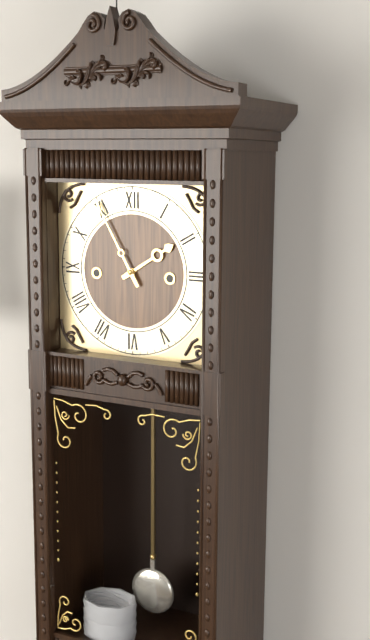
**1:55**
